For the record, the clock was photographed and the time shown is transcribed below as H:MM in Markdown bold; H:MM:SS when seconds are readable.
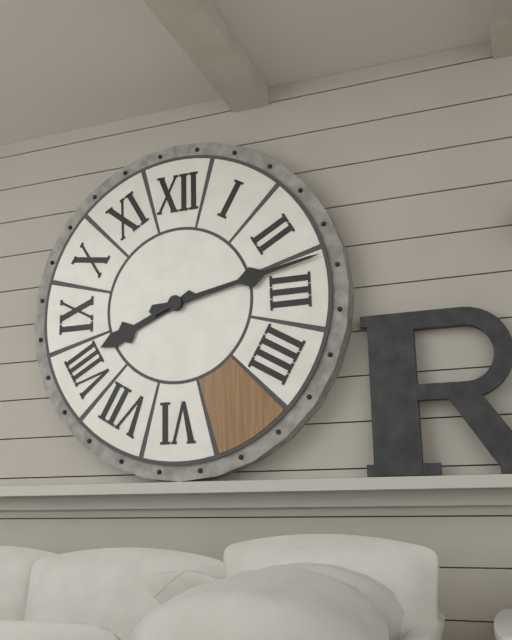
**8:13**
